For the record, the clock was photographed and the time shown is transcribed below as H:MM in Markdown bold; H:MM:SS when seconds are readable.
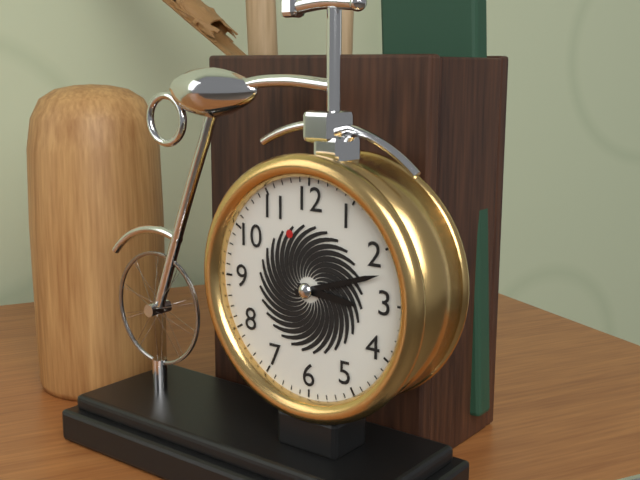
**3:12**
